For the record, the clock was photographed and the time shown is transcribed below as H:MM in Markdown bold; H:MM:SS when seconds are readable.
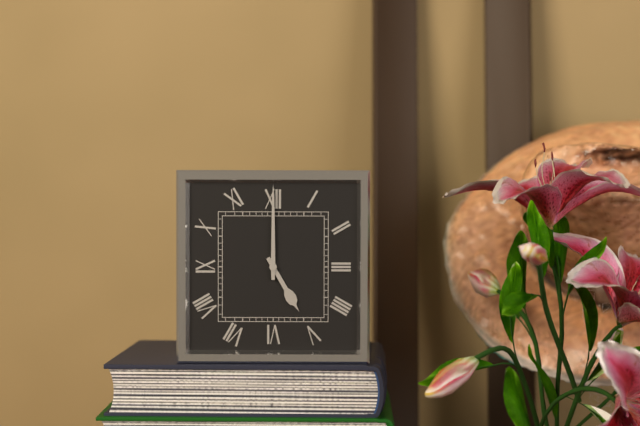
**5:00**
